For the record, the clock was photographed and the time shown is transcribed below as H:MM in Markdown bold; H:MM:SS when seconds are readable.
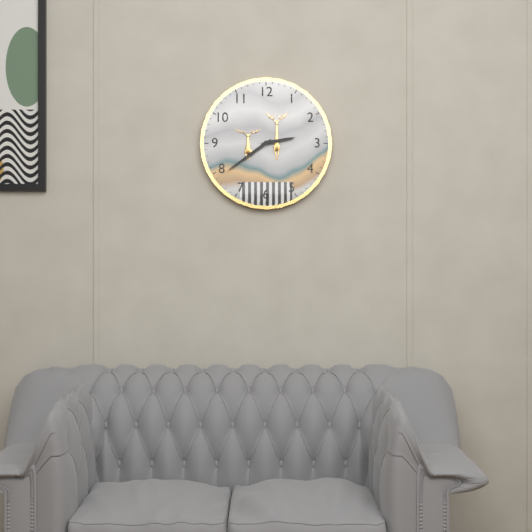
**2:39**
